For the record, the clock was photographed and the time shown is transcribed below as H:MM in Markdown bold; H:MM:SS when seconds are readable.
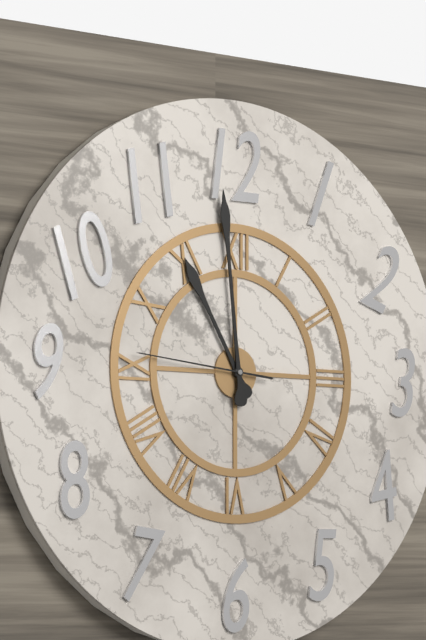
**10:59:46**
